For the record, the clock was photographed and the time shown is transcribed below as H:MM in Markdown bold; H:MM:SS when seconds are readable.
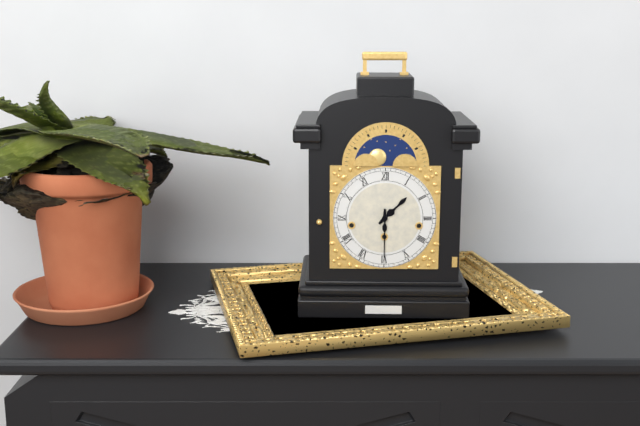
**1:30**
